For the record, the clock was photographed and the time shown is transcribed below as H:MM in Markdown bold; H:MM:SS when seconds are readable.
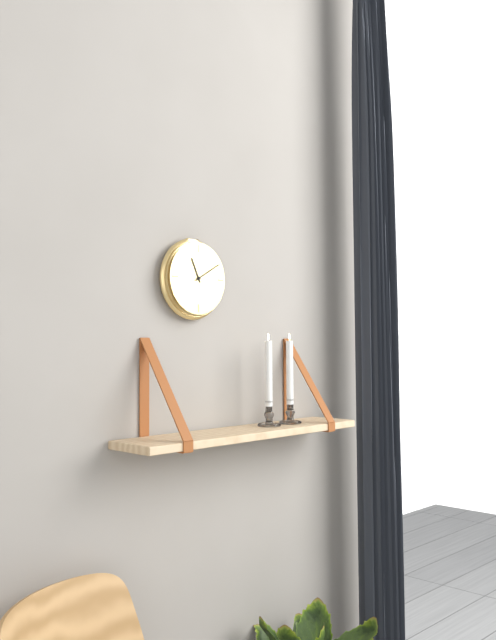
**11:10**
